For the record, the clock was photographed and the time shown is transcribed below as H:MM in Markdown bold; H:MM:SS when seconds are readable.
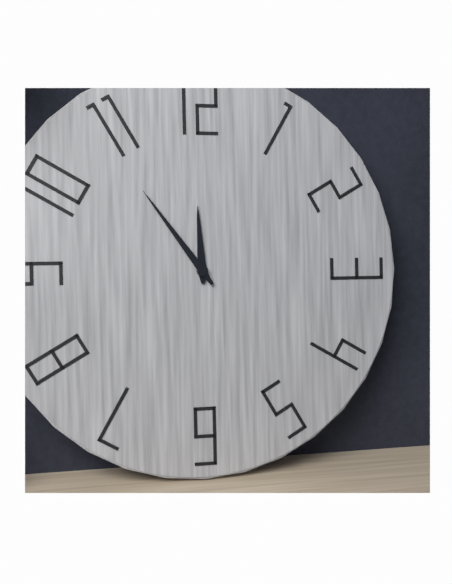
**11:54**
